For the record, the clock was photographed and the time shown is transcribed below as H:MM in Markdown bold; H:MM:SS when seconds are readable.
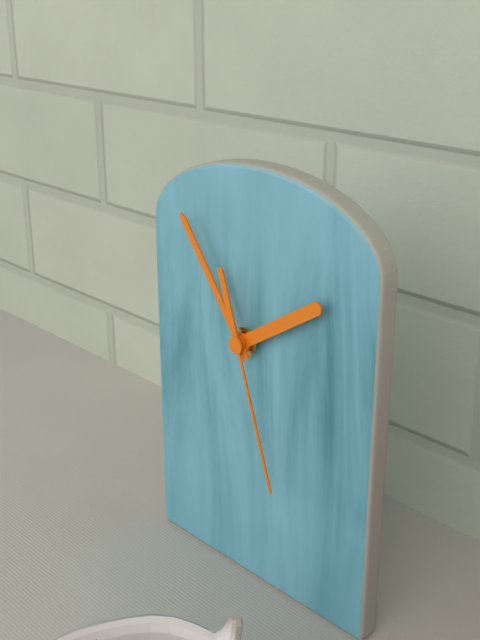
**1:54:27**
